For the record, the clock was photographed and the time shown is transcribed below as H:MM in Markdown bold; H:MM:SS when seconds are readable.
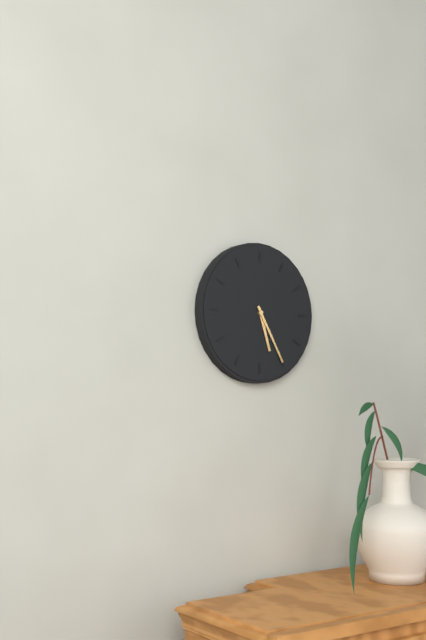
**5:25**
